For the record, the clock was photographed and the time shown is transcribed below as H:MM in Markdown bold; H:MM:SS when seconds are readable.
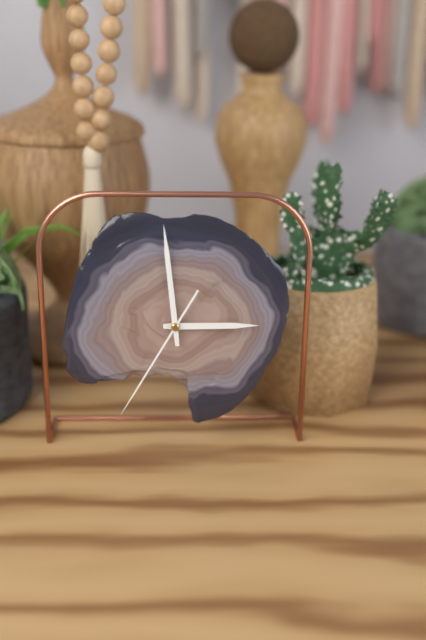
**2:59:35**
